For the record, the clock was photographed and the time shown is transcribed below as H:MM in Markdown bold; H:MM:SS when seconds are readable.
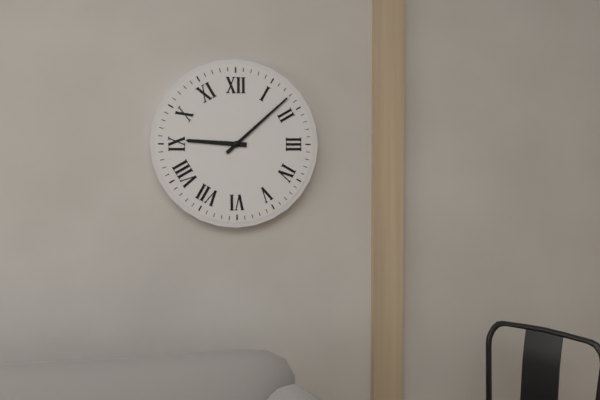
**9:08**
